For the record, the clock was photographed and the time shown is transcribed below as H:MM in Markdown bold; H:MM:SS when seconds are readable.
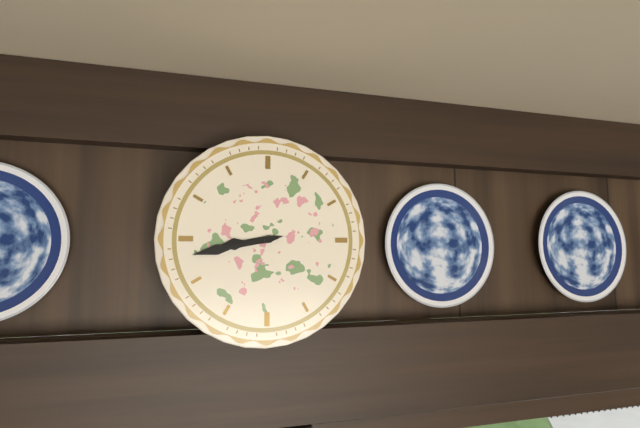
**8:43**
